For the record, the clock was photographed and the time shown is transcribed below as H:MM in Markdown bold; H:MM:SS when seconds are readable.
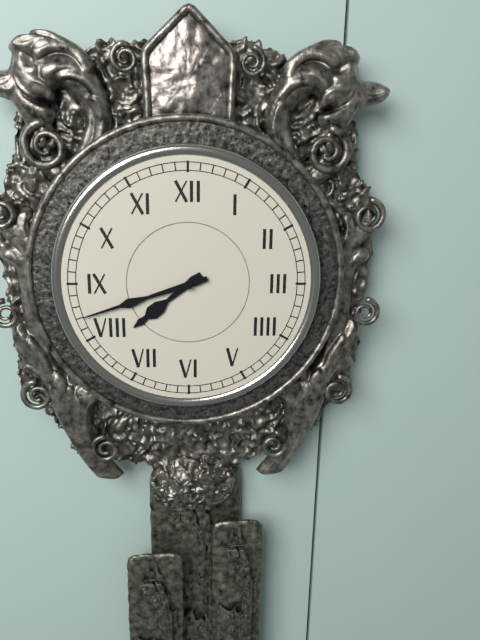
**7:42**
